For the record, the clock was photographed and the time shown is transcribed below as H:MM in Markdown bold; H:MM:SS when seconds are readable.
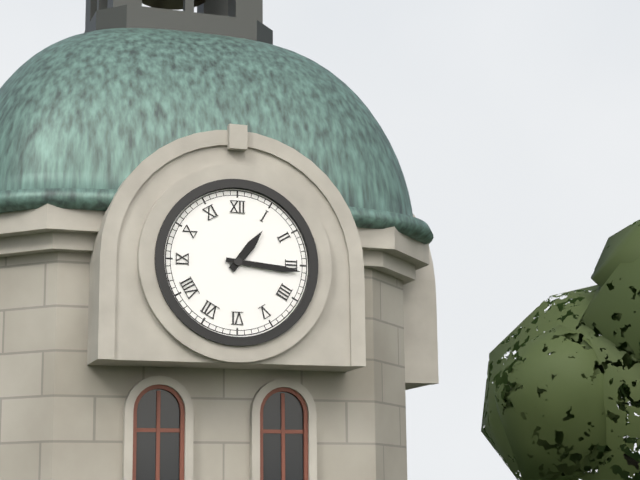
**1:16**
